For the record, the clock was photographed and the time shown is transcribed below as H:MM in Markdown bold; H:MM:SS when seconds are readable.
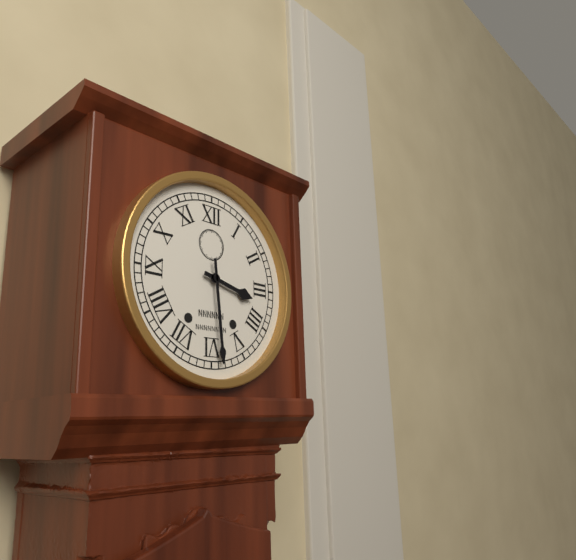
**3:29**
